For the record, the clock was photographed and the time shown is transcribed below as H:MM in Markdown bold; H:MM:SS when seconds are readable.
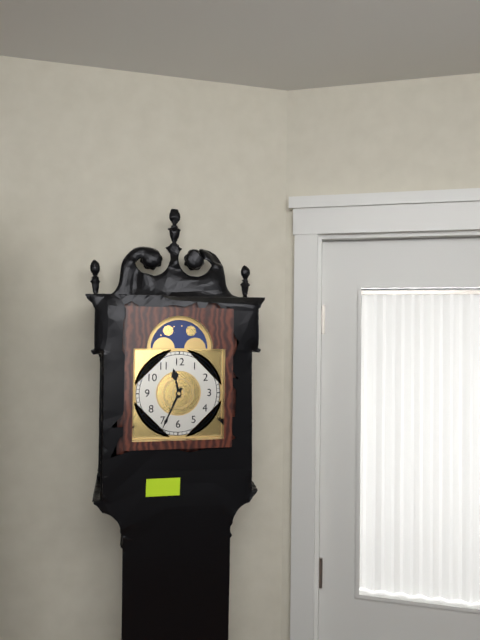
**11:34**
